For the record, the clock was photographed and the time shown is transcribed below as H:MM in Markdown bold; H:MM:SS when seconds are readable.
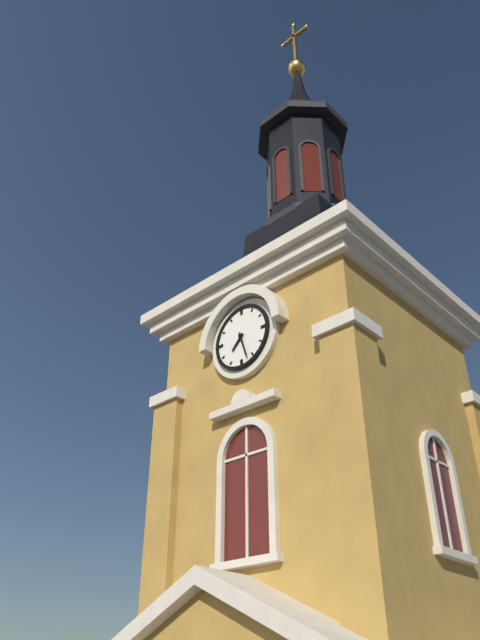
**7:27**
